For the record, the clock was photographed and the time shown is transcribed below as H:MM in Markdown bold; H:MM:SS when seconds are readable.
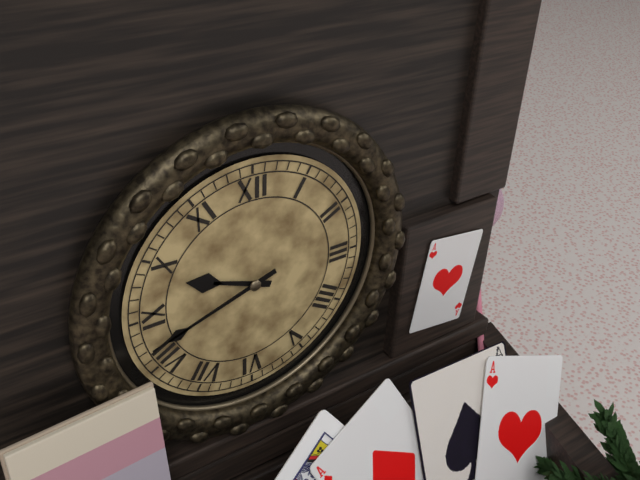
**9:42**
